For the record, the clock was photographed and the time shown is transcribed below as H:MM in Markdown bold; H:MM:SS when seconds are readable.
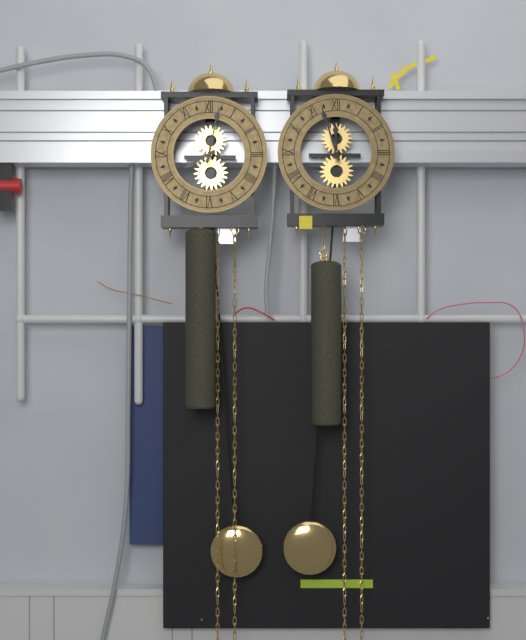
**8:02**
